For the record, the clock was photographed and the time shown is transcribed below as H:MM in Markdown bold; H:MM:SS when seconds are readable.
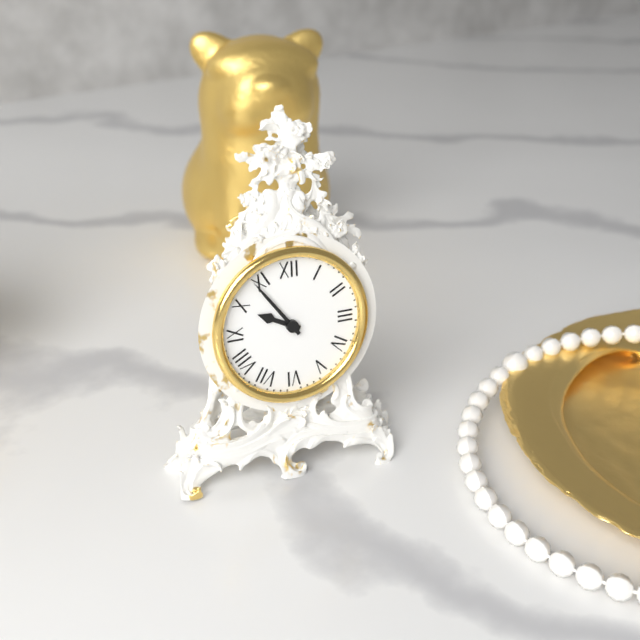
**9:54**
